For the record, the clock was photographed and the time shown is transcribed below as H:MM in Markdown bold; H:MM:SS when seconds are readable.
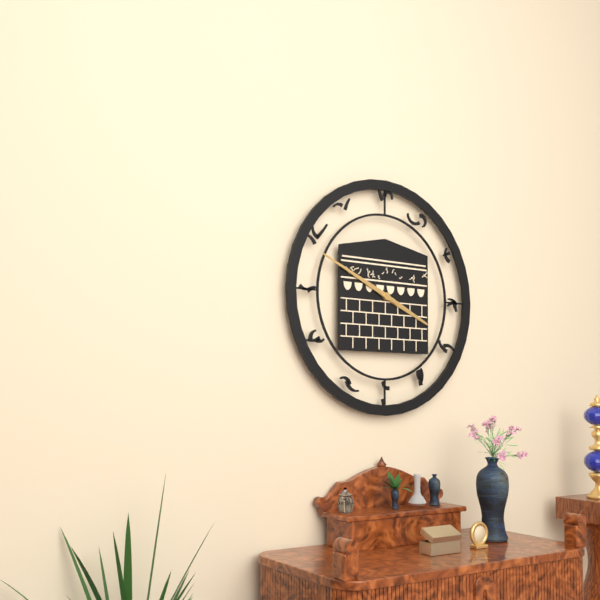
**3:49**
